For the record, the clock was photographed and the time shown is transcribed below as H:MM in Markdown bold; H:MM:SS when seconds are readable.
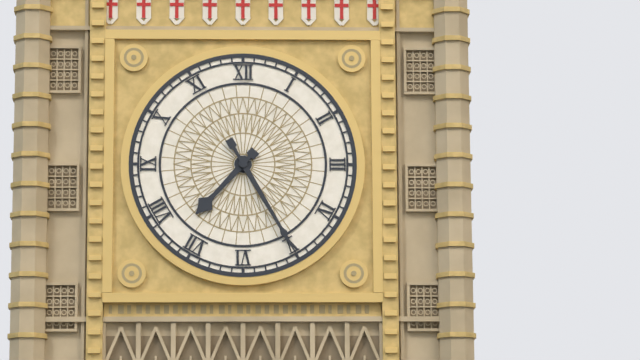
**7:25**
